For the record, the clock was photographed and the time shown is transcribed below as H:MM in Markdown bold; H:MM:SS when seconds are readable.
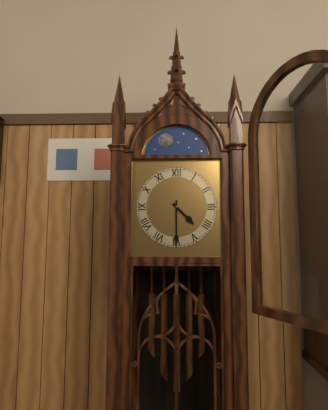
**4:30**
